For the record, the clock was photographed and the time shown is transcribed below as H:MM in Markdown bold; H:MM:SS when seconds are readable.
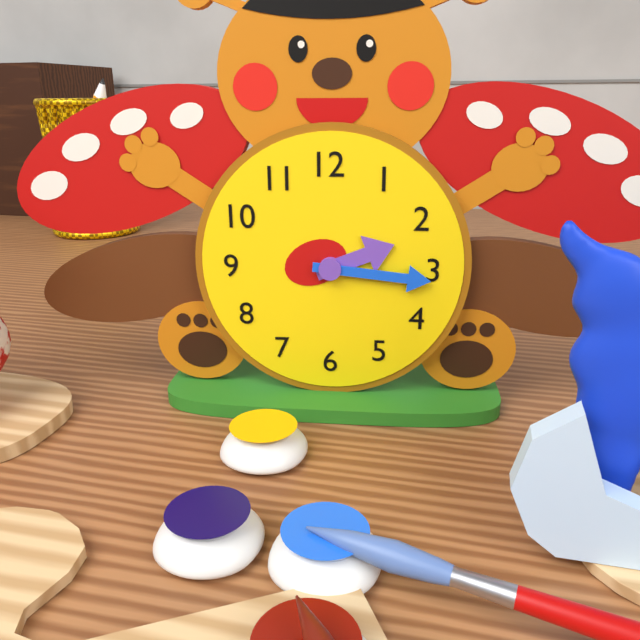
**2:16**
